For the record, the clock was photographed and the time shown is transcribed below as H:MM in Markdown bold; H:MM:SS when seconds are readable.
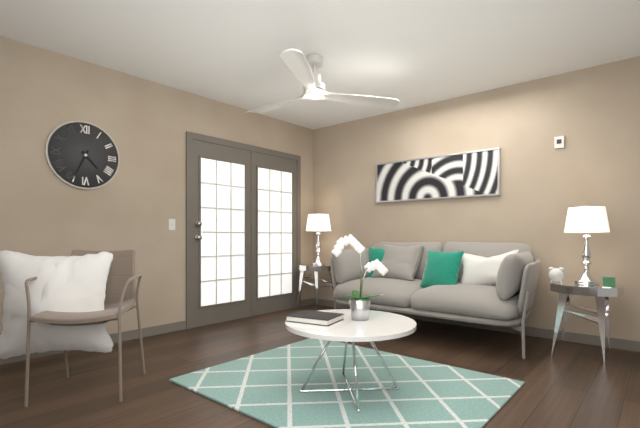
**4:34**
